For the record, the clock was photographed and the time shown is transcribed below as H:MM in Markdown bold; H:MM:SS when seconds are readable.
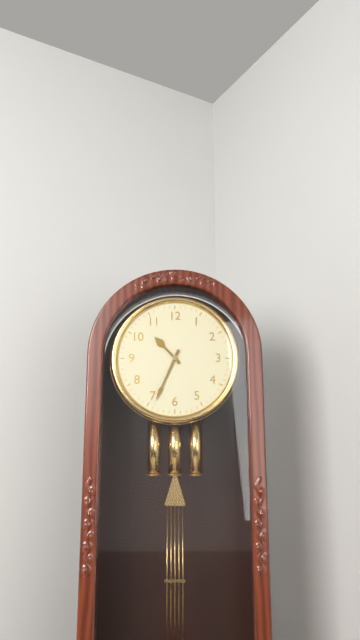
**10:34**
